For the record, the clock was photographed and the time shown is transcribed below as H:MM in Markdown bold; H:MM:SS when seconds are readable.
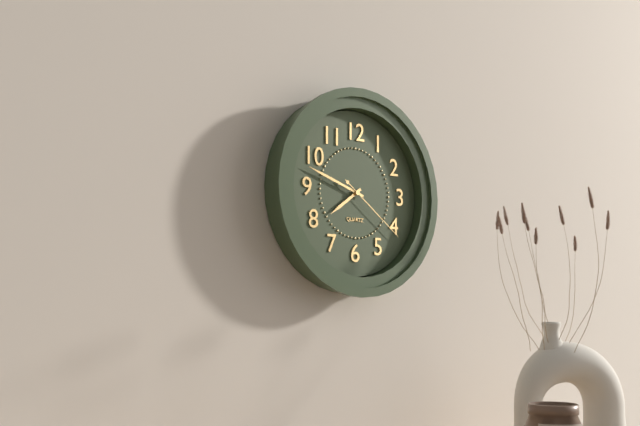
**7:48:21**
